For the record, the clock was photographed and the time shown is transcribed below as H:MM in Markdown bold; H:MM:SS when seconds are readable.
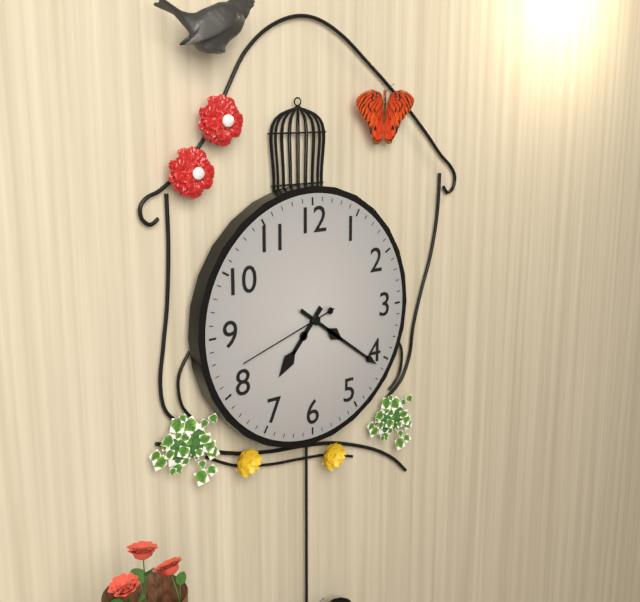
**7:21:42**
